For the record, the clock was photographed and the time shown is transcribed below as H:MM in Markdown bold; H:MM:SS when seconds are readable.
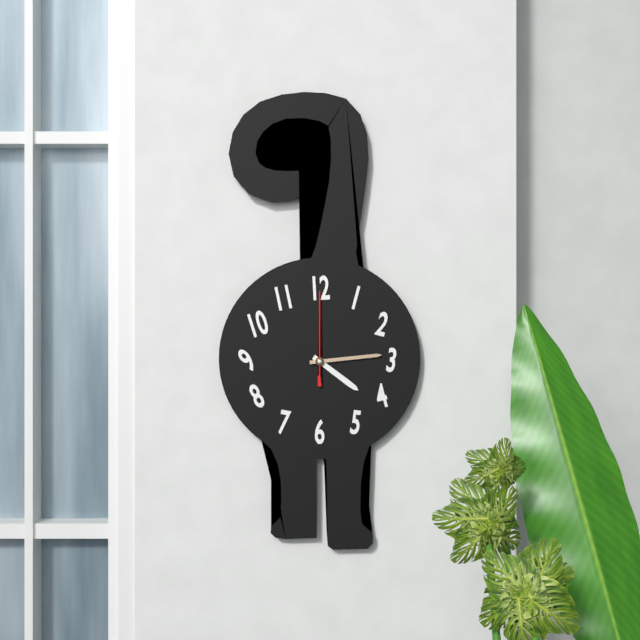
**4:14:00**
